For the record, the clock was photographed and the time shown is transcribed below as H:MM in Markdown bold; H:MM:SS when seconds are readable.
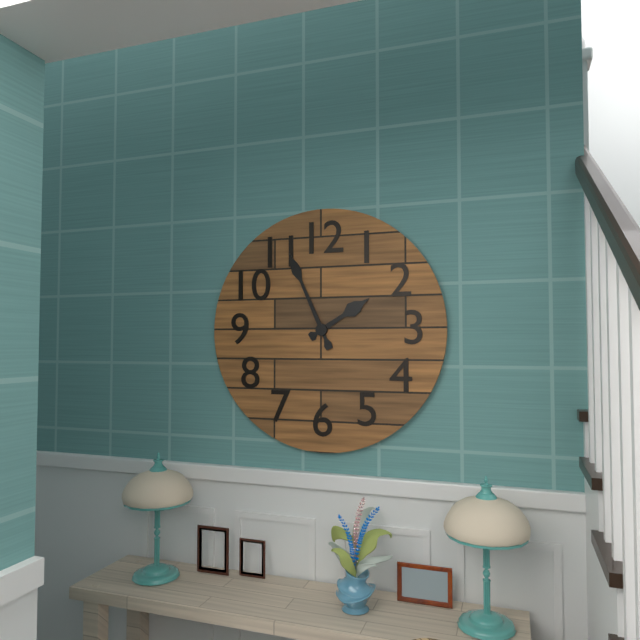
**1:56**
